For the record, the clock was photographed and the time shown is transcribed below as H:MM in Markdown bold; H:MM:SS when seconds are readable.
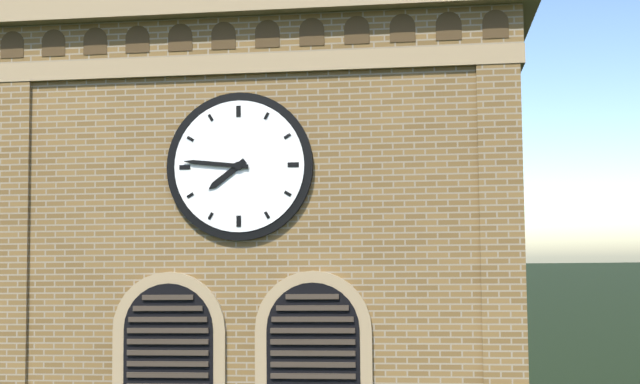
**7:46**
